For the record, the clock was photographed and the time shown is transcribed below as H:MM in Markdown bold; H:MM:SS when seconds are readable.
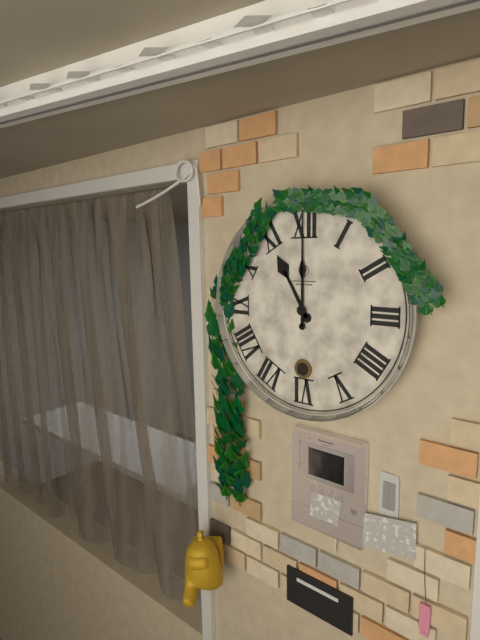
**11:00**
